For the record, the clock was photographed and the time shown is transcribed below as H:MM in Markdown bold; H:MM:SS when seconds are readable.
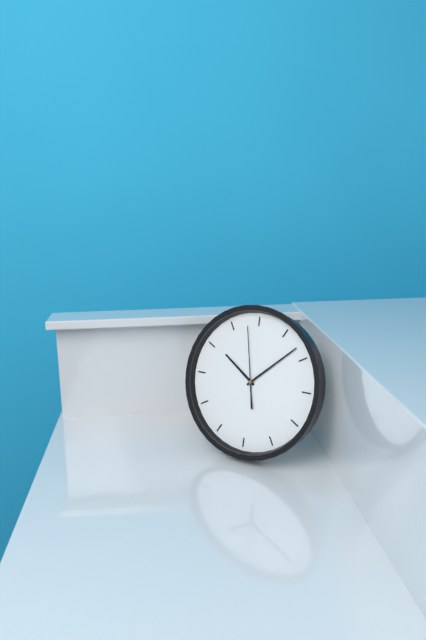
**10:08:58**
